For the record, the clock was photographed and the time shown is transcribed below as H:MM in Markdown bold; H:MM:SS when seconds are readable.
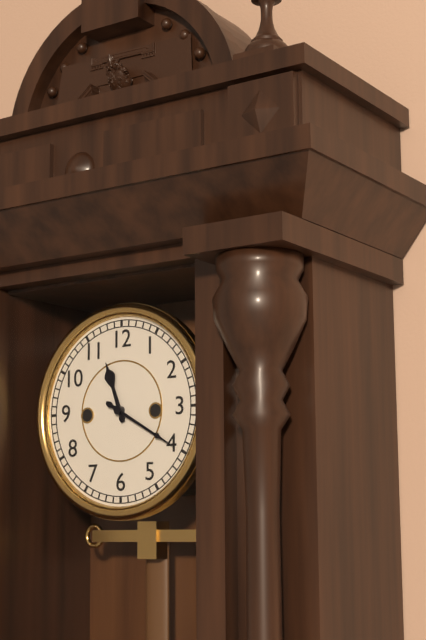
**11:20**
